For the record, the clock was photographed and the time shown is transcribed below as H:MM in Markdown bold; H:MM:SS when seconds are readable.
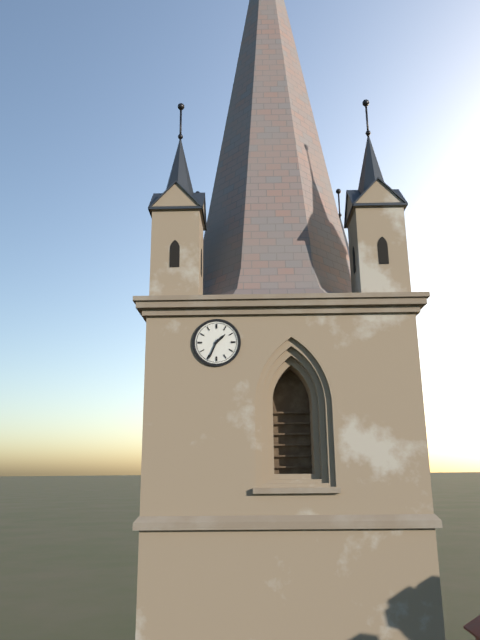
**1:34**
